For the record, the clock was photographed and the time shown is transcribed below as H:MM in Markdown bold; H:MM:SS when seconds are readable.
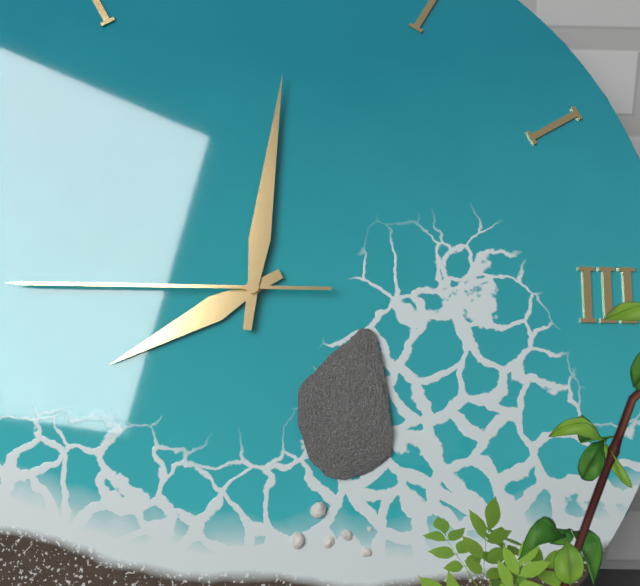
**8:01:45**
